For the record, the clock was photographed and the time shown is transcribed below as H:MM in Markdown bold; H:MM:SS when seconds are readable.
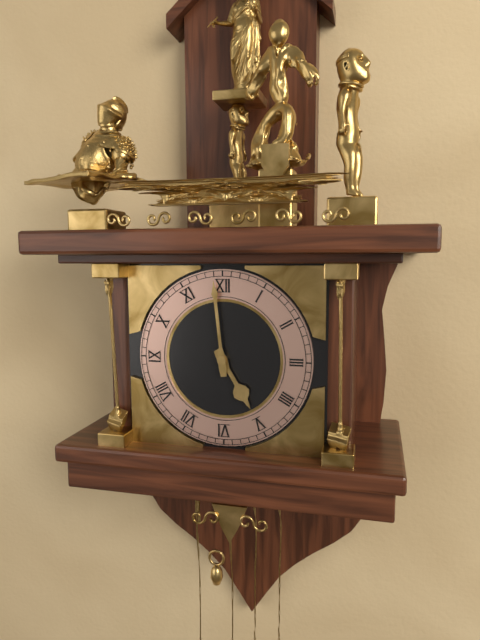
**4:59**
